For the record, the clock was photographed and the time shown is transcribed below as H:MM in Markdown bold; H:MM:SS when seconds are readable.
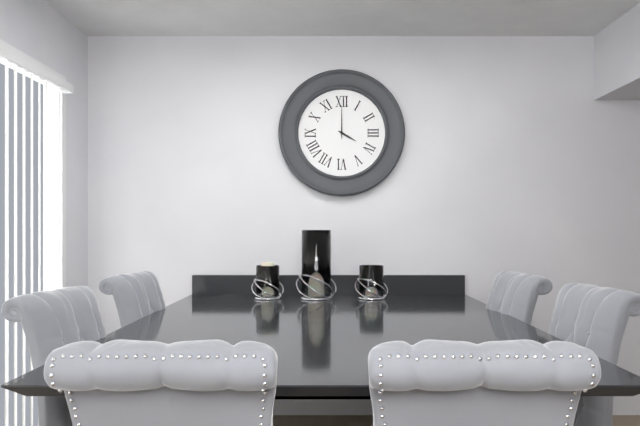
**4:00**
